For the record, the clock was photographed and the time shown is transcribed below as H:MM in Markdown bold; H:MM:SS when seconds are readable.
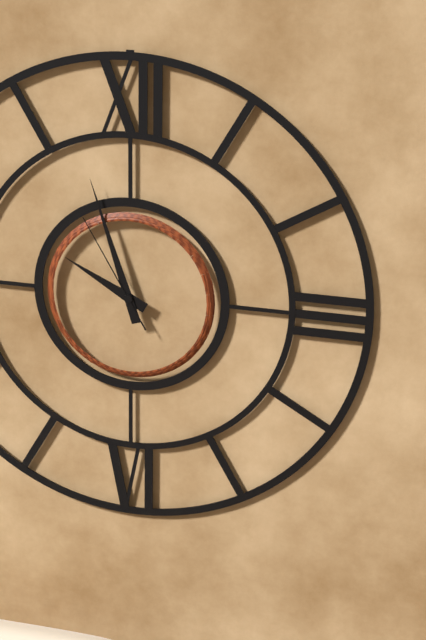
**9:57:55**
